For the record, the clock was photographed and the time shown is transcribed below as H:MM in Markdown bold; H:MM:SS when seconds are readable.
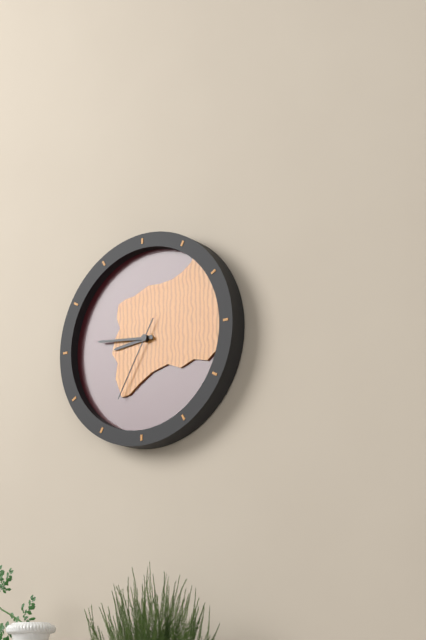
**8:46:35**
